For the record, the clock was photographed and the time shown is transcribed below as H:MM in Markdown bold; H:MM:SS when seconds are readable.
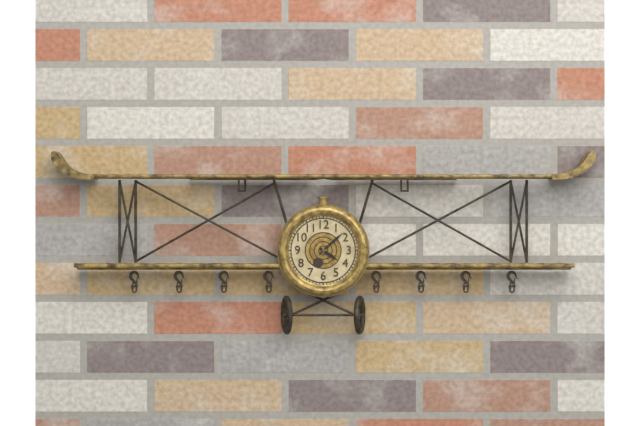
**4:08**
